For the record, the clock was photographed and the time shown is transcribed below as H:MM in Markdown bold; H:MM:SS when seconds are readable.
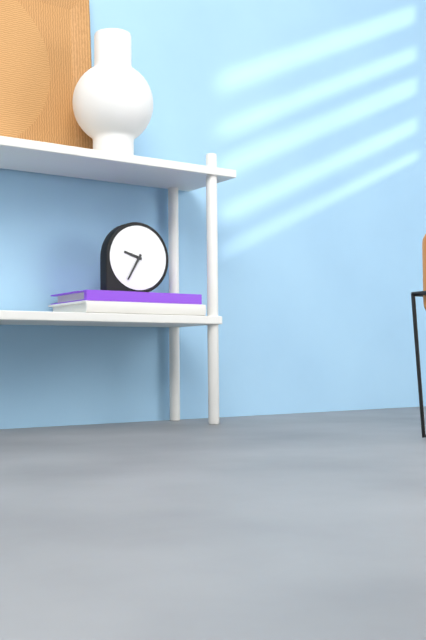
**9:35**
